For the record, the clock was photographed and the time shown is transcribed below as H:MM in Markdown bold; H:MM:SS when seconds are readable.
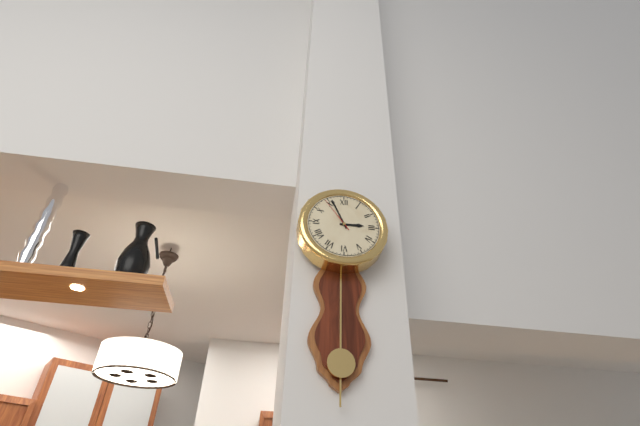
**2:56**
